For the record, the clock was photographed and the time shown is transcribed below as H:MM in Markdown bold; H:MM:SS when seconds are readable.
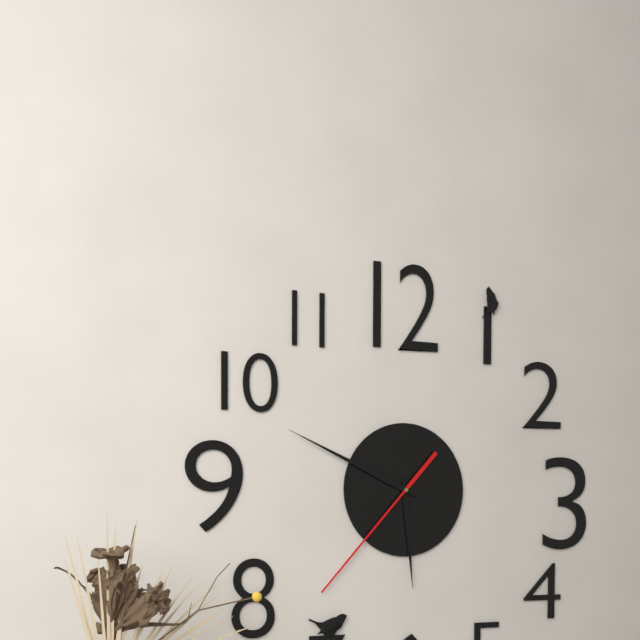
**5:49:37**
